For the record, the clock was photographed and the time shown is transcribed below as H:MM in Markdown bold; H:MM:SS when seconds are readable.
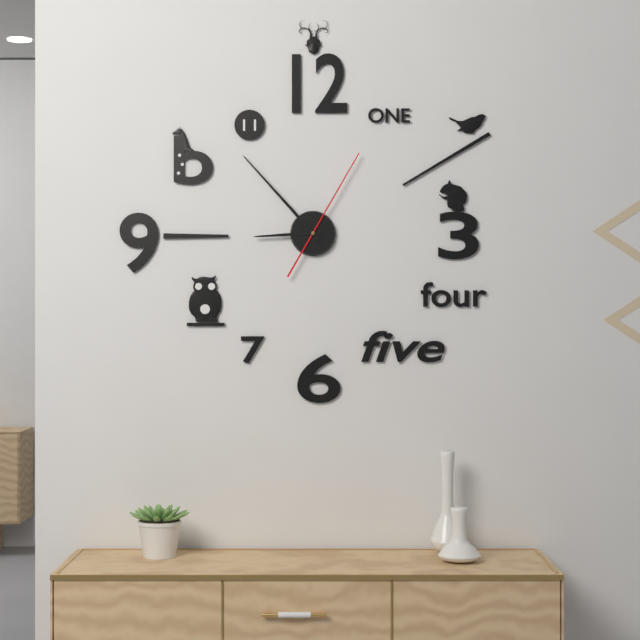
**8:53:05**
